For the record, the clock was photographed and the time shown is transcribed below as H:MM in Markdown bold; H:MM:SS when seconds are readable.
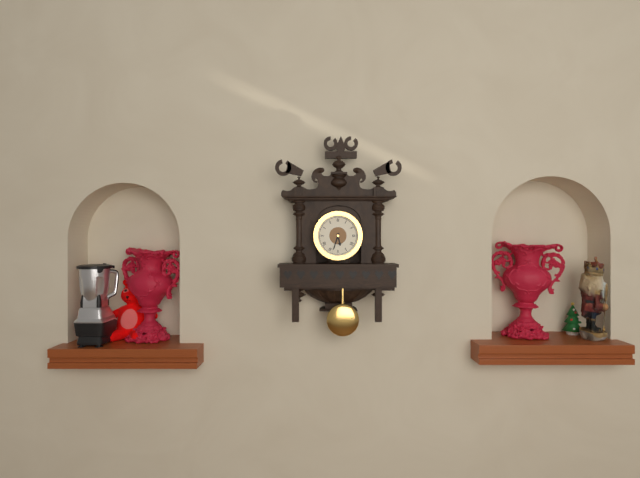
**5:33**
